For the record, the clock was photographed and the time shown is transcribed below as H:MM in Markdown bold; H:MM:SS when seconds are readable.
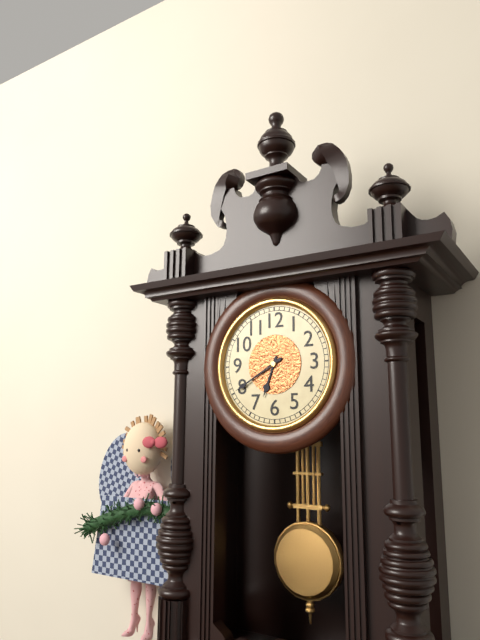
**6:40**
